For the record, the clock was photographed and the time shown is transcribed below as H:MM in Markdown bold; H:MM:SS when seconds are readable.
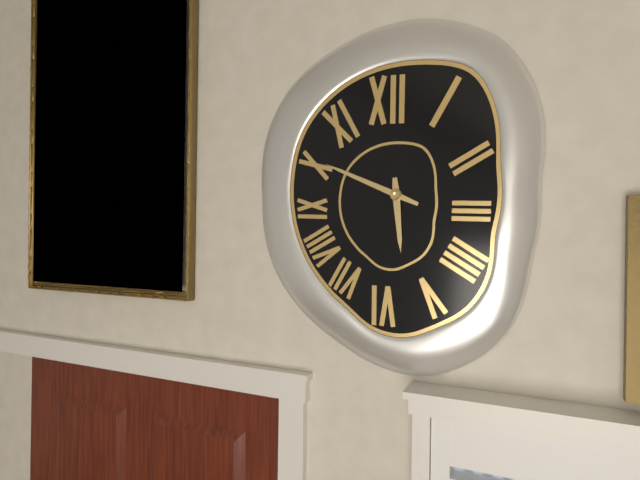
**5:49**
